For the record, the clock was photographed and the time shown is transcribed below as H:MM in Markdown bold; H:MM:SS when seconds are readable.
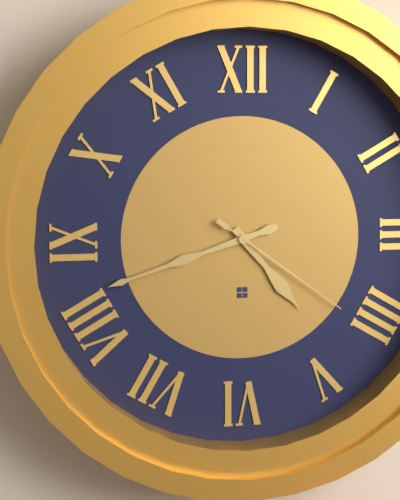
**4:42:21**
